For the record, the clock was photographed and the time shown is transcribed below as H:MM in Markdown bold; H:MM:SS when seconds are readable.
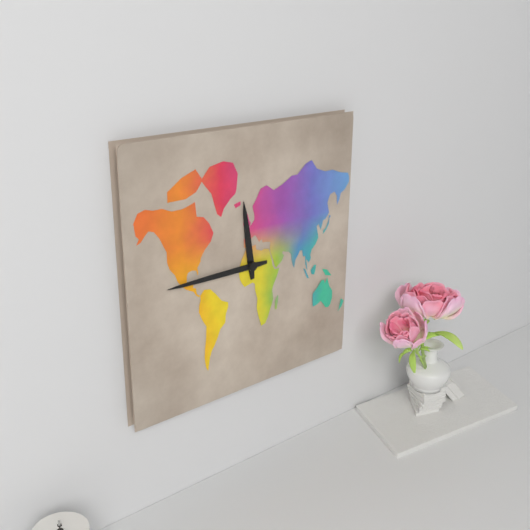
**11:45**
